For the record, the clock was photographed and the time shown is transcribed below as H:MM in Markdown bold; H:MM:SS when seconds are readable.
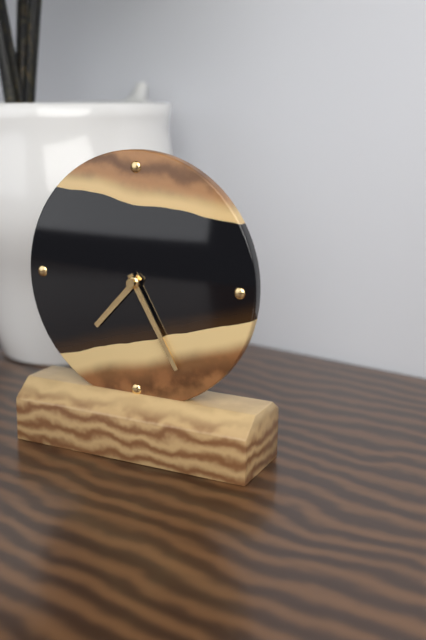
**7:25**
